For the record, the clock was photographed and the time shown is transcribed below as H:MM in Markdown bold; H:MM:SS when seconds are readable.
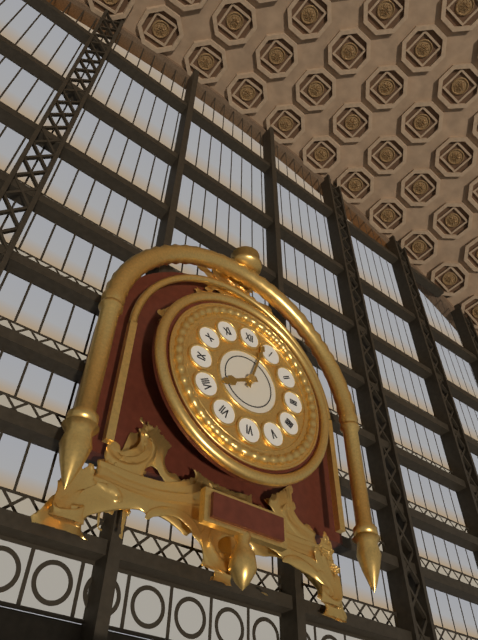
**8:03**
